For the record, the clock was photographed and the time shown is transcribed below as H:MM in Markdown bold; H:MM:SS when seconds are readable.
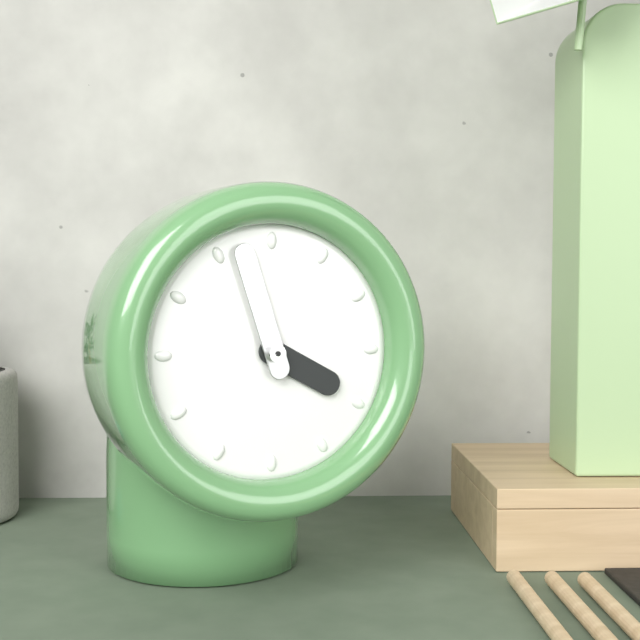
**3:57**
